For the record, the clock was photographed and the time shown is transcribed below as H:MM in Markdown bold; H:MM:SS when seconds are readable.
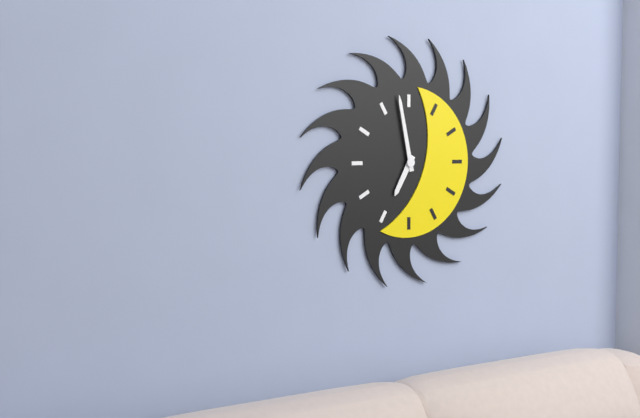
**6:58**
